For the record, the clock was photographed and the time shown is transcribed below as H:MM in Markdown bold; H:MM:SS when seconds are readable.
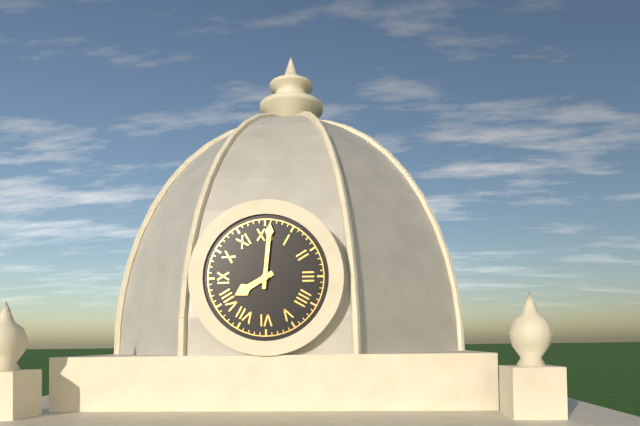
**8:01**
